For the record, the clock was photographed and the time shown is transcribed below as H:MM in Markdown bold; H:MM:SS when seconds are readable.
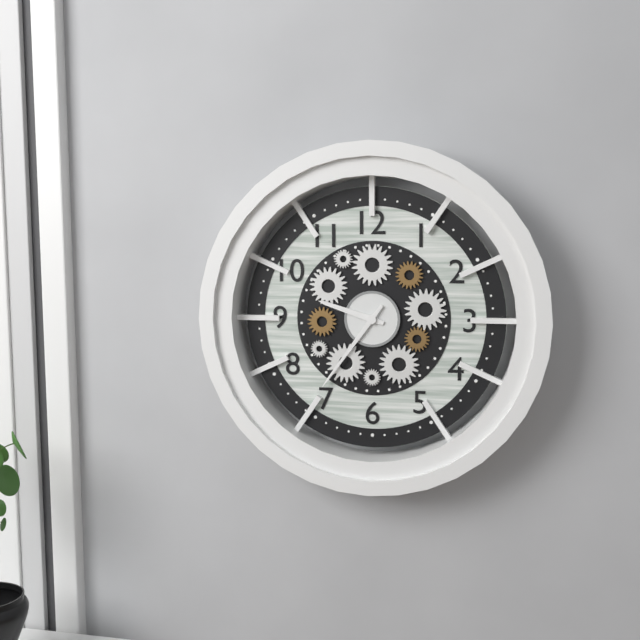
**9:36**
